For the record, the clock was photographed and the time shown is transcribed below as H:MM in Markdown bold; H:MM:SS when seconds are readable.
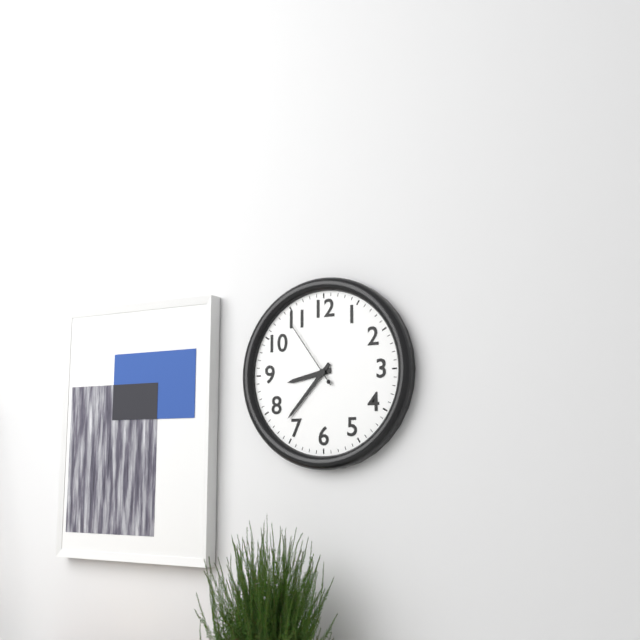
**8:37:54**
